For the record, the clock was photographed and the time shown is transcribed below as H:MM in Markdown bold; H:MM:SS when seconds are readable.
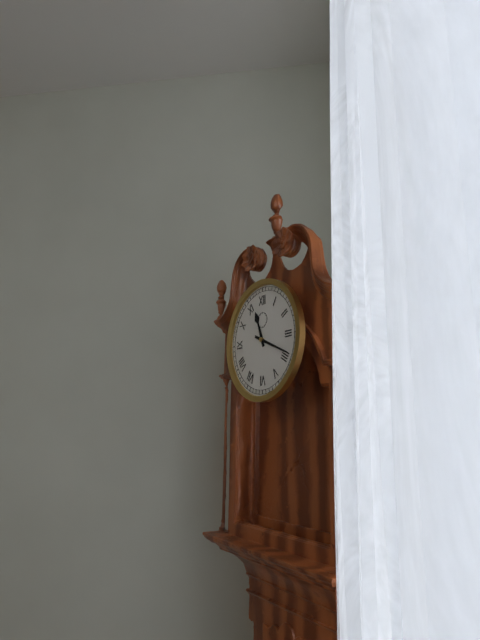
**11:19**
